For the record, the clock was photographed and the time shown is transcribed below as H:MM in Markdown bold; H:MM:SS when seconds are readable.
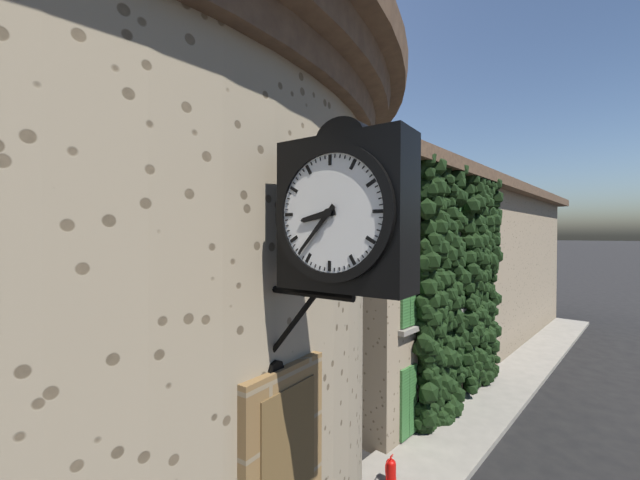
**8:37**
